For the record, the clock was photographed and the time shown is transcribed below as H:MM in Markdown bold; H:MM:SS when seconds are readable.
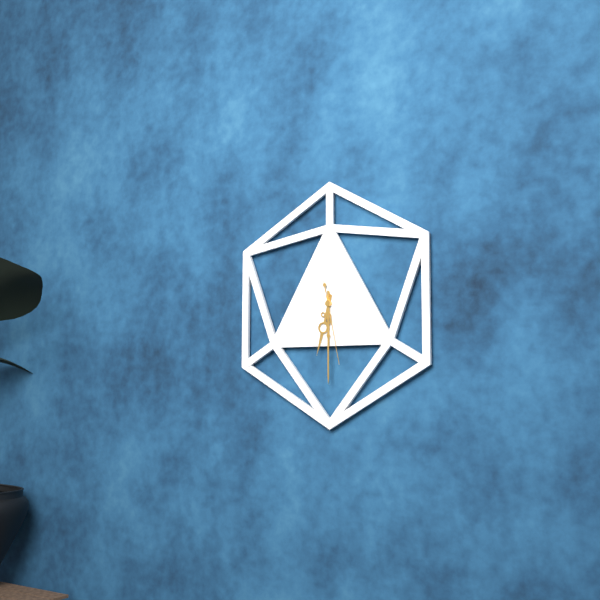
**6:30:28**
